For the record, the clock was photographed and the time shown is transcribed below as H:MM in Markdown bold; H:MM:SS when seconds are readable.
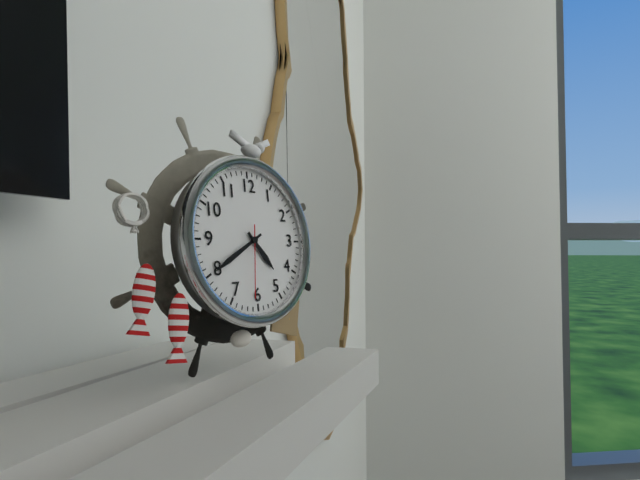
**4:40:31**
